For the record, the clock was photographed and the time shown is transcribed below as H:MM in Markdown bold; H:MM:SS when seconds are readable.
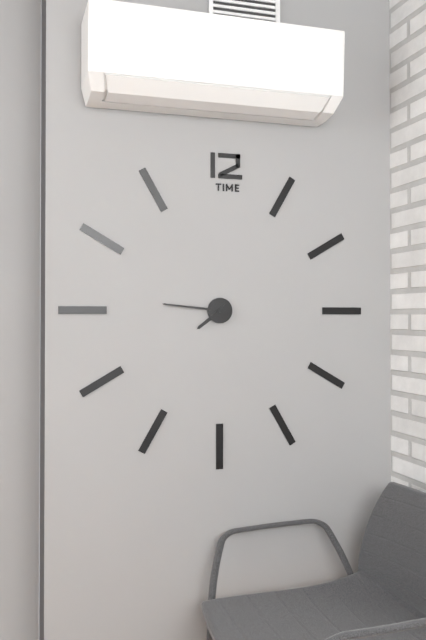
**7:46**
